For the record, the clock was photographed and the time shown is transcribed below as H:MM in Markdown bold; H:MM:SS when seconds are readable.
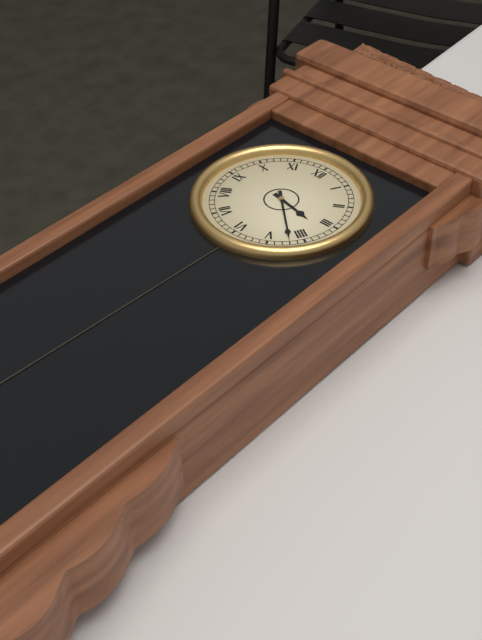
**3:22**
